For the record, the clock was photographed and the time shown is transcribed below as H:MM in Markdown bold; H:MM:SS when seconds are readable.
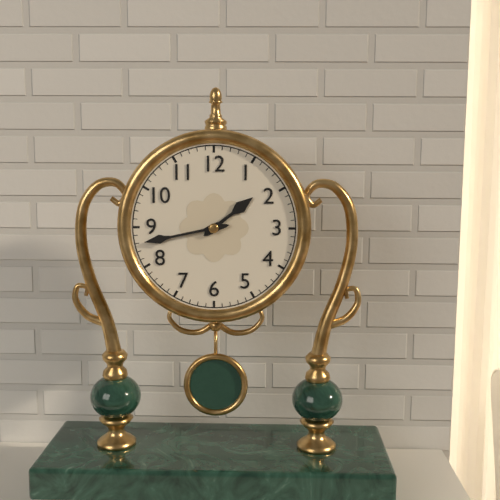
**1:43**
